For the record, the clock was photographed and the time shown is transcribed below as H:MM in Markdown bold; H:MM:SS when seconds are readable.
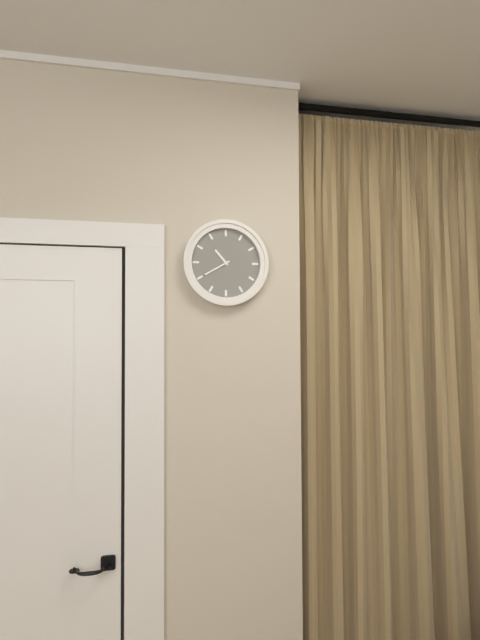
**10:40**
